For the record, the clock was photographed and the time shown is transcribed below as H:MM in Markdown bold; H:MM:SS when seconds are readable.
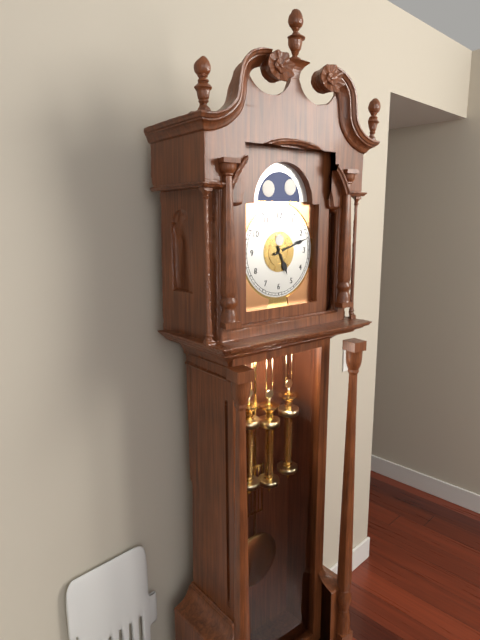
**5:12**
